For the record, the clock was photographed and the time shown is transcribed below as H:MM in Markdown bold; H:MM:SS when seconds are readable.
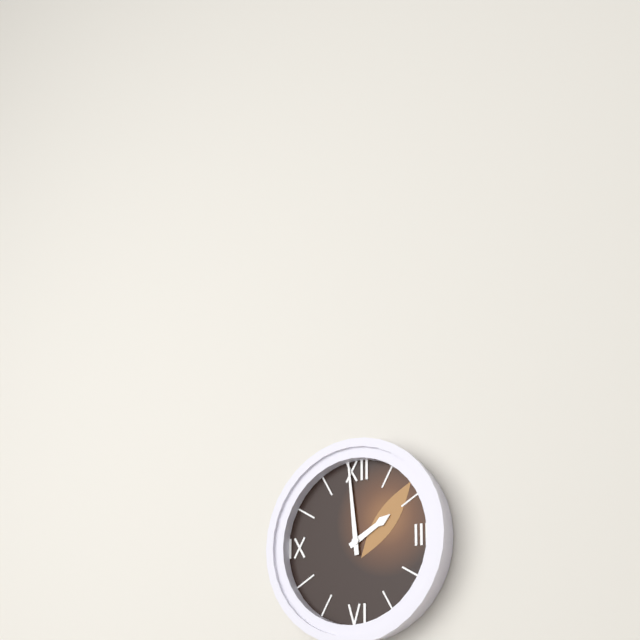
**1:59**
